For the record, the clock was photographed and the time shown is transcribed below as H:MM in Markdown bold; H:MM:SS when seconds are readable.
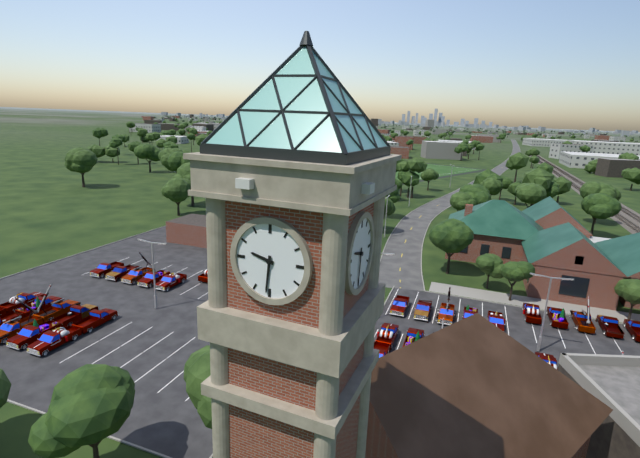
**9:31**
